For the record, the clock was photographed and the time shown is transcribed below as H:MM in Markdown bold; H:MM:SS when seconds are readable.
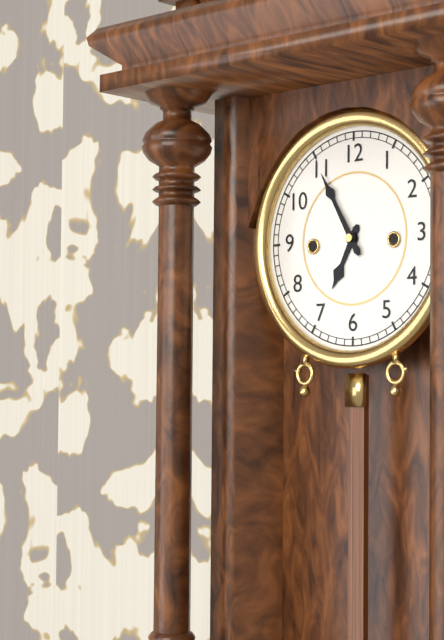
**6:55**
